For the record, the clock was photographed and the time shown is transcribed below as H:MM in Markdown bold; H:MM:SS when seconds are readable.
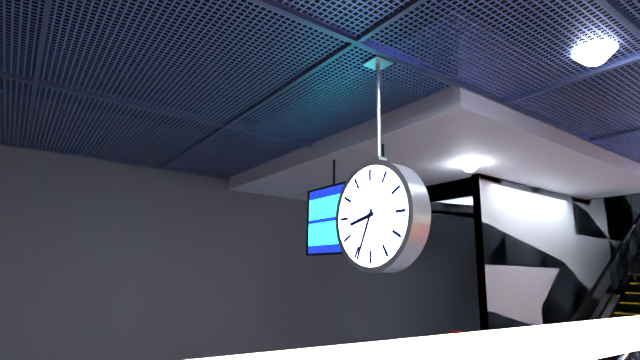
**8:34**
